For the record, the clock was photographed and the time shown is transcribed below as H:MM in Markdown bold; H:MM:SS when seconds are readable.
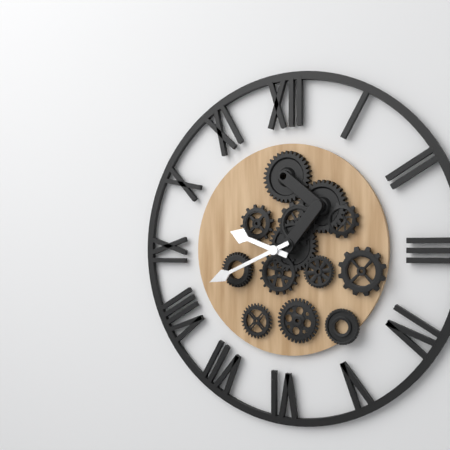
**9:41**
